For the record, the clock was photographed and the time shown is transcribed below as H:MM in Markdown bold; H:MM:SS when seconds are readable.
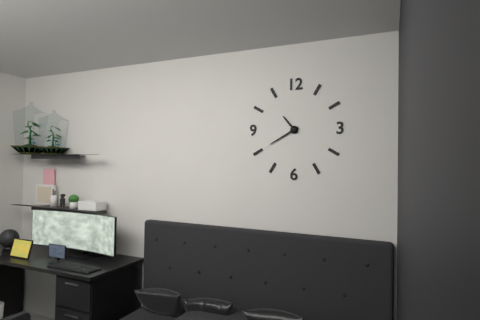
**10:40**
